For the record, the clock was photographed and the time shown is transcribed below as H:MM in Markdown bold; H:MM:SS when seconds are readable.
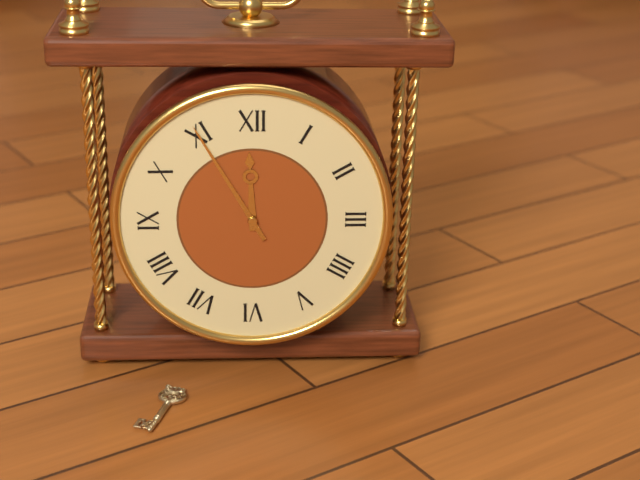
**11:55**
